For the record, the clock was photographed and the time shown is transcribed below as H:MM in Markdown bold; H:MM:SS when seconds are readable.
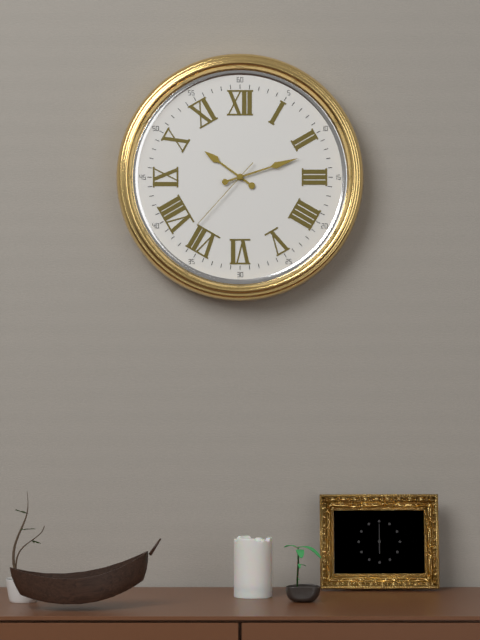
**10:12:37**
